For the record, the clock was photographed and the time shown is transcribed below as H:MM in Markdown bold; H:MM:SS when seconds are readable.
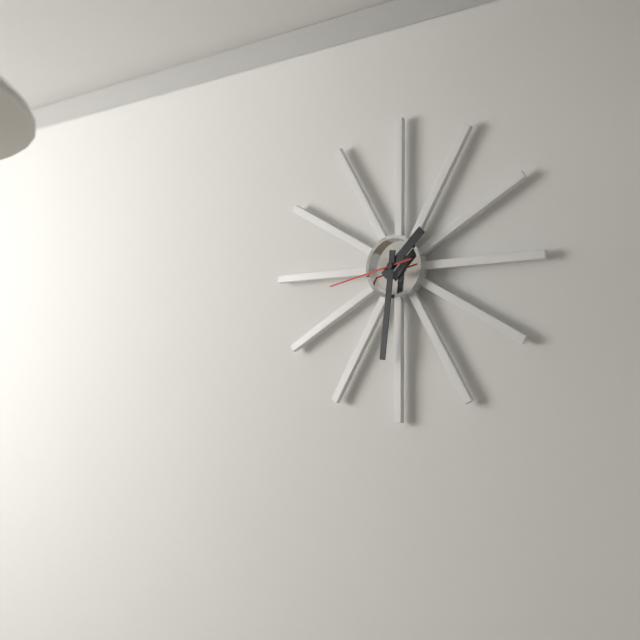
**1:31:43**
